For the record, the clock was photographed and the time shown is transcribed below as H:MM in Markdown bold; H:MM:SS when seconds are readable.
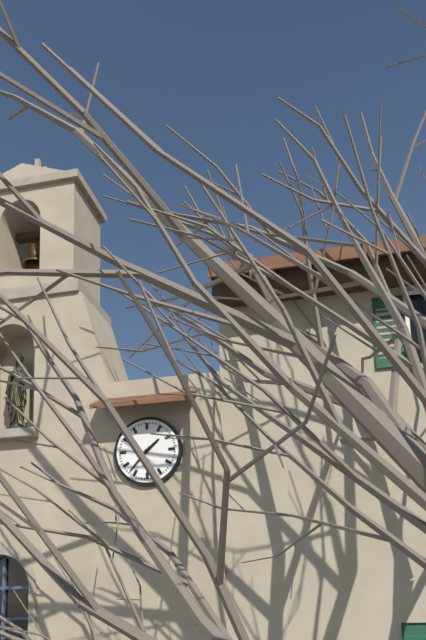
**1:37**
